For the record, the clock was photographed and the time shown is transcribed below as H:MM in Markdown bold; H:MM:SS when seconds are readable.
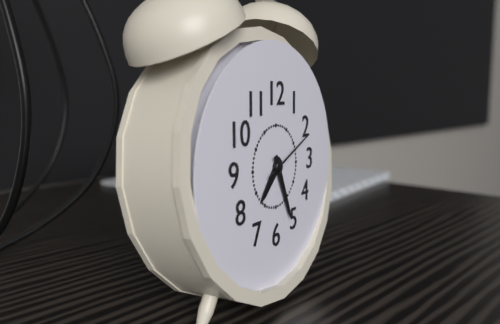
**7:26:11**
